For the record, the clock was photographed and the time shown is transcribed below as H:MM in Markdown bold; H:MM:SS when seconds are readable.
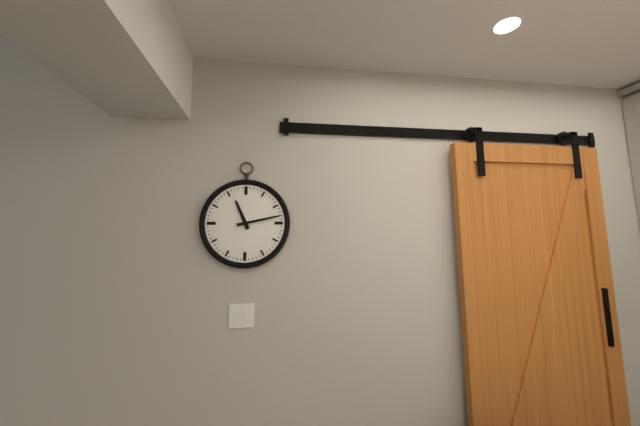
**11:13**
